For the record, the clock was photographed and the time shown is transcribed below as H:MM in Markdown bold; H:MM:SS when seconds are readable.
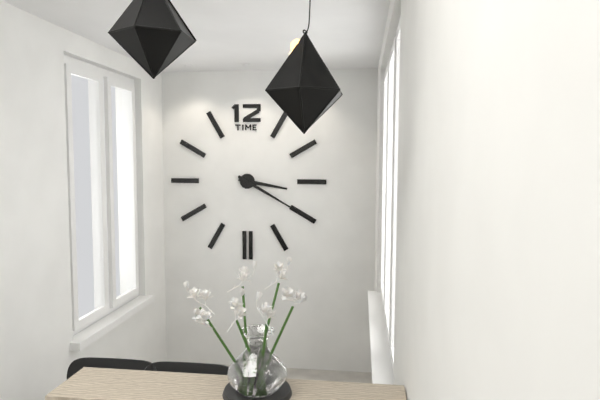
**3:20**
